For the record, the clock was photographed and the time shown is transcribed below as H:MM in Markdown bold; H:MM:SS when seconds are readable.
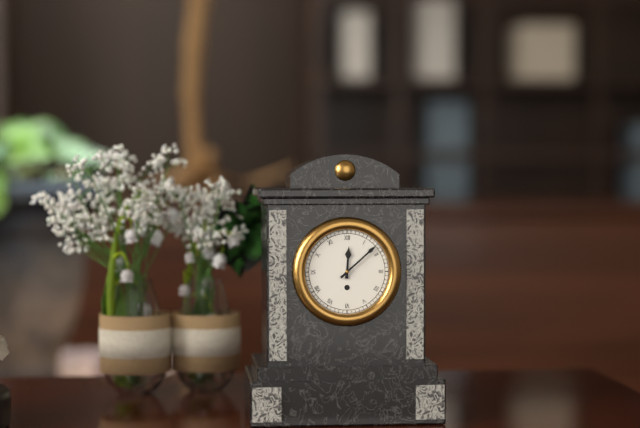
**12:08**
